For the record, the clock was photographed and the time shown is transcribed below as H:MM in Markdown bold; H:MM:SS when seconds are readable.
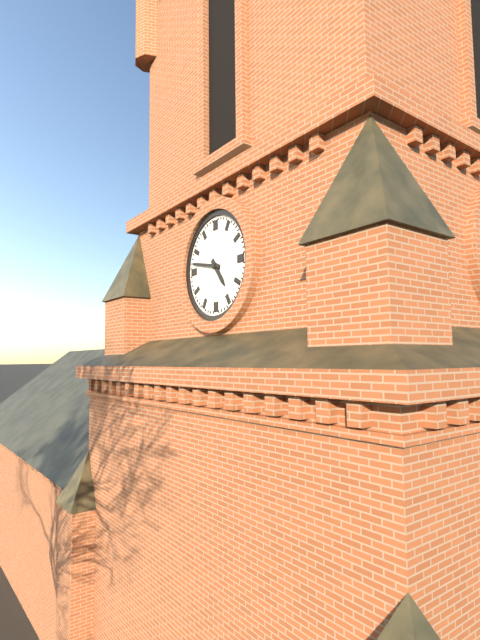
**4:47**
